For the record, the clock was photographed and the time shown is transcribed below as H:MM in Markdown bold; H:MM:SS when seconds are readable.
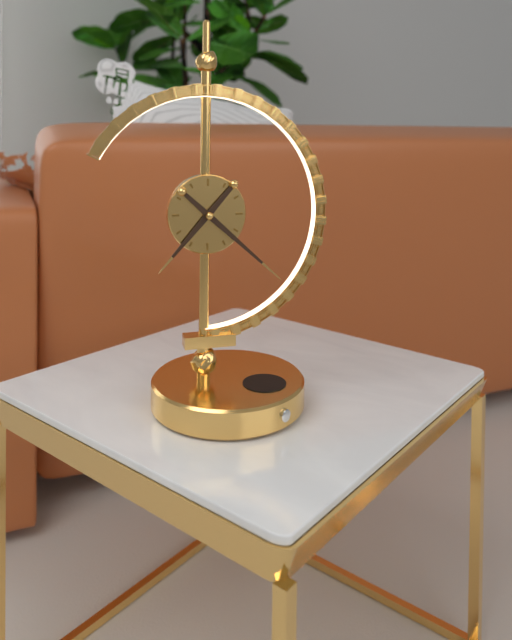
**7:22**
